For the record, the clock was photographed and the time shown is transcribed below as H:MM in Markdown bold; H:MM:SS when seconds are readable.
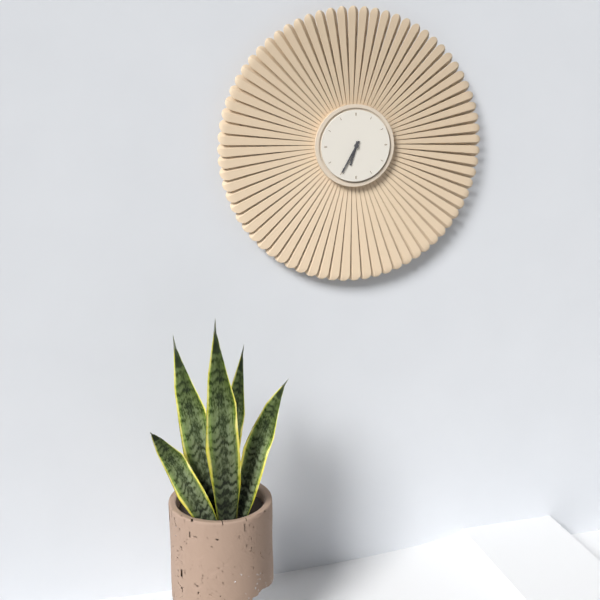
**6:35**
